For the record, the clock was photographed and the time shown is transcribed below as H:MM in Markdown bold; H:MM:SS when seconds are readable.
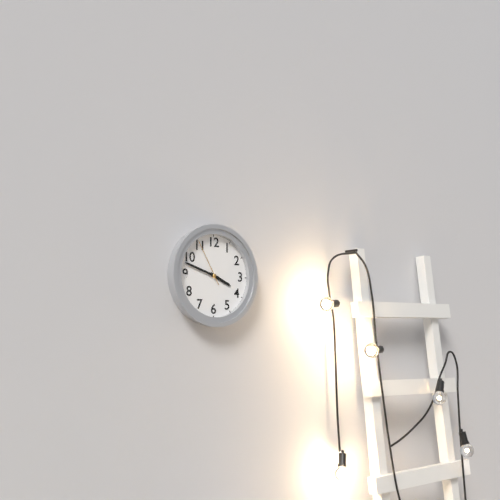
**3:48**
